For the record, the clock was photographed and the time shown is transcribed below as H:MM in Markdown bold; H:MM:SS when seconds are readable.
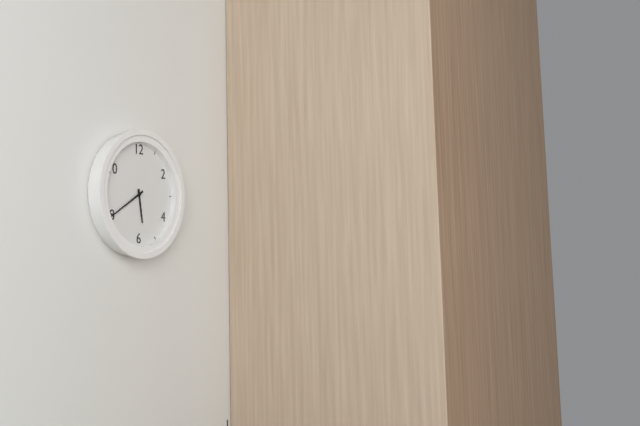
**5:40**
